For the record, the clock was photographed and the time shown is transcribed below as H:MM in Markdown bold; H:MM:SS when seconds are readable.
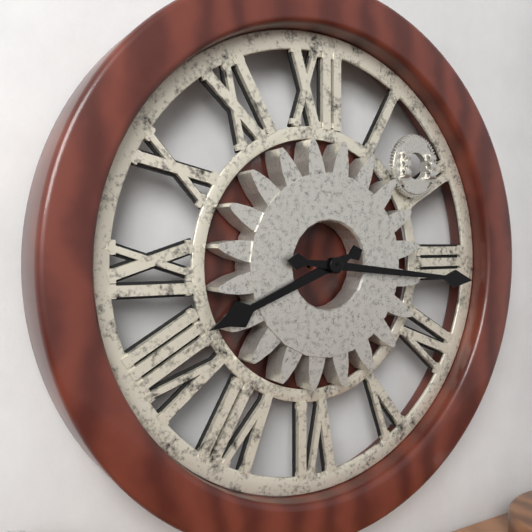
**8:16**
